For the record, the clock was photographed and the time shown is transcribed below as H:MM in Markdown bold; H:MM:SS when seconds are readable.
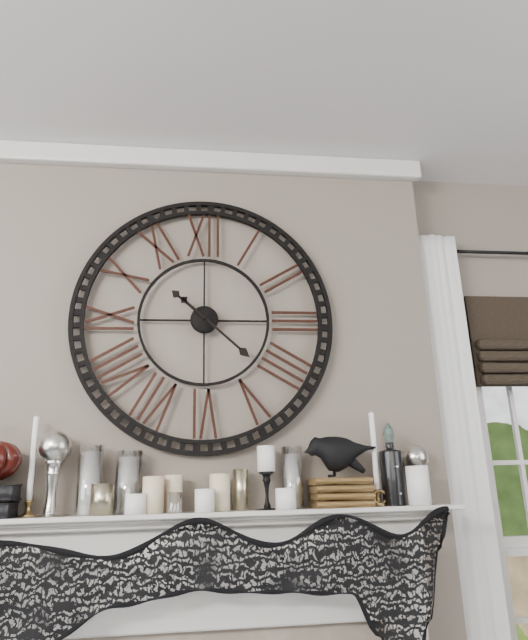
**10:22**
